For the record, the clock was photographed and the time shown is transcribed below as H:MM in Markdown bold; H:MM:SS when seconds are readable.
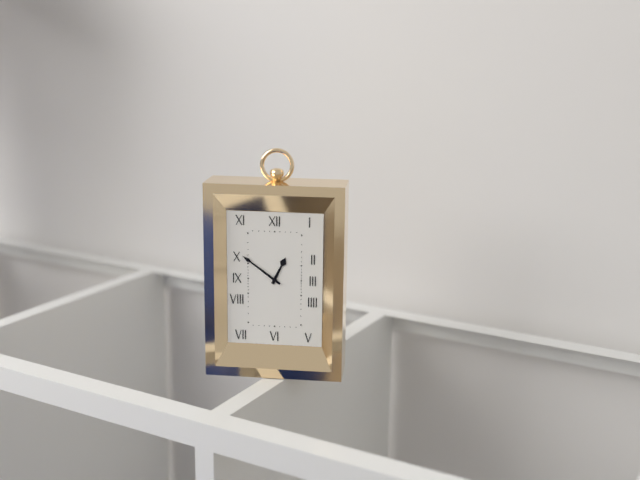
**12:51**
